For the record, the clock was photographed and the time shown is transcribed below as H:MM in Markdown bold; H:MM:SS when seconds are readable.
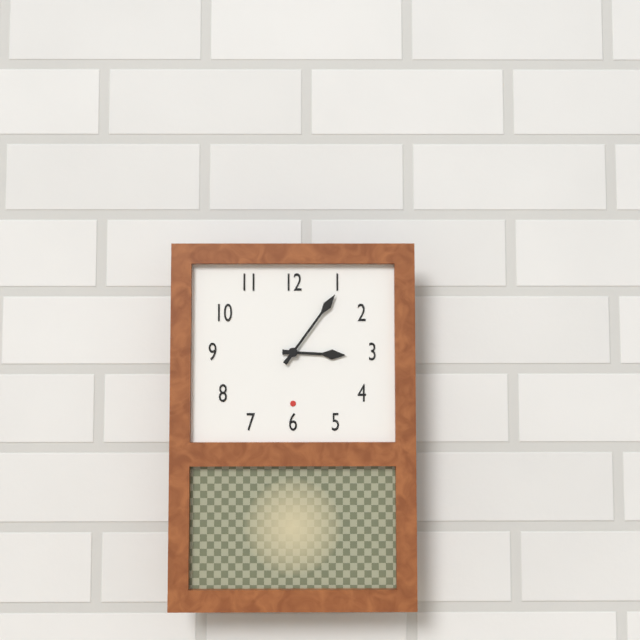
**3:06**
